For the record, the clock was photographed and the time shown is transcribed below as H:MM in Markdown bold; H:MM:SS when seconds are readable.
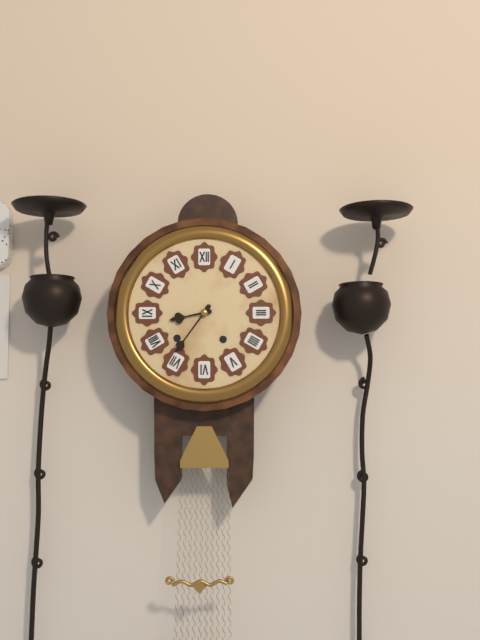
**8:36**
